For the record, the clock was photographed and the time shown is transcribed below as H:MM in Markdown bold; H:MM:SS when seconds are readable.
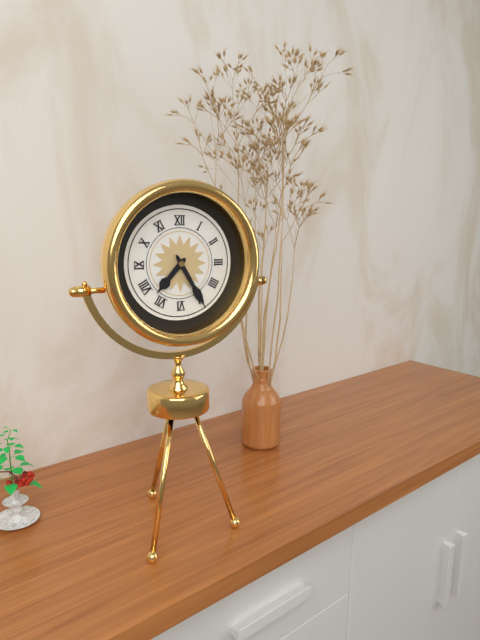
**7:25**
